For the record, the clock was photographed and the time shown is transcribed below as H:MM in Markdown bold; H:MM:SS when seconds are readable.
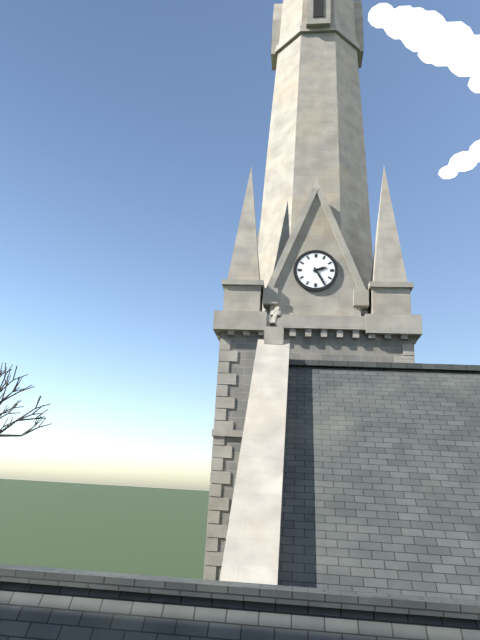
**2:25**
